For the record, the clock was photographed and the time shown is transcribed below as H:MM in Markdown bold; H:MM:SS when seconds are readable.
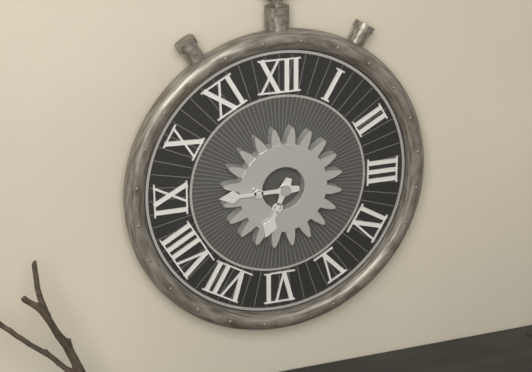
**6:45**
